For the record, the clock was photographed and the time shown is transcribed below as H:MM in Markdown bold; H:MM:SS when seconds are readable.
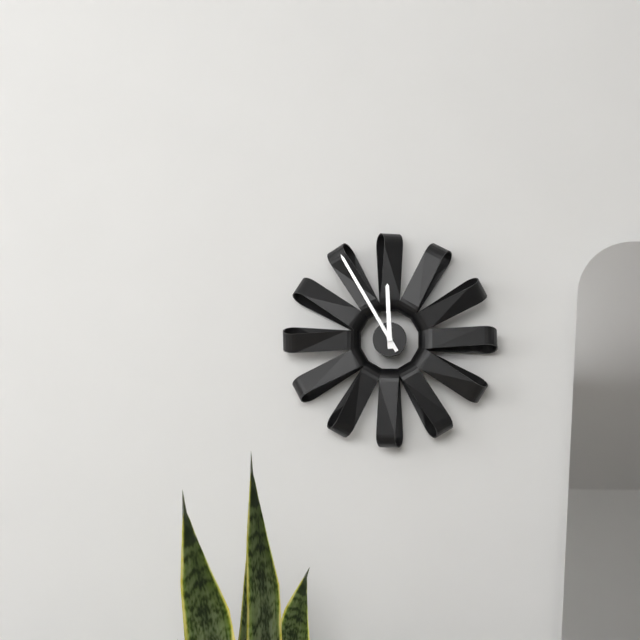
**11:55**
